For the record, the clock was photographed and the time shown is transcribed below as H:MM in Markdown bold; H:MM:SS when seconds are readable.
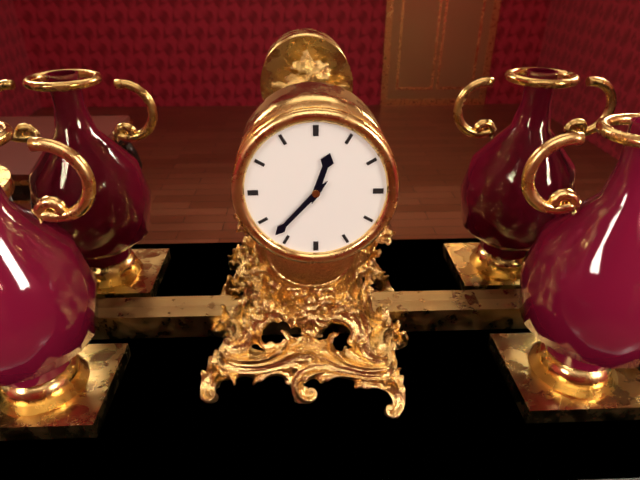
**12:37**
